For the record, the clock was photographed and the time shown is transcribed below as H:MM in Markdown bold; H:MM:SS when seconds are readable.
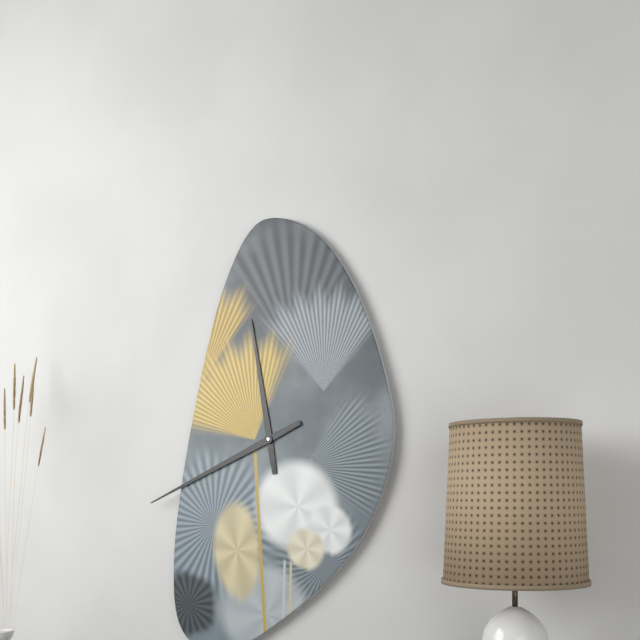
**11:41**
